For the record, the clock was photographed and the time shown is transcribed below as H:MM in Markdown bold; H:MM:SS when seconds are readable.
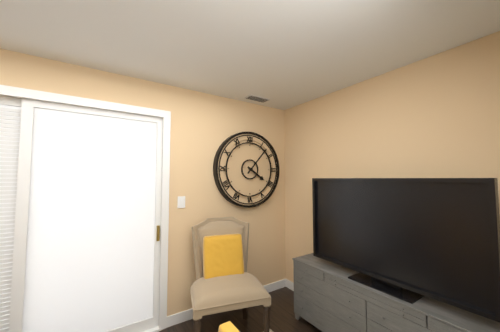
**4:07**
